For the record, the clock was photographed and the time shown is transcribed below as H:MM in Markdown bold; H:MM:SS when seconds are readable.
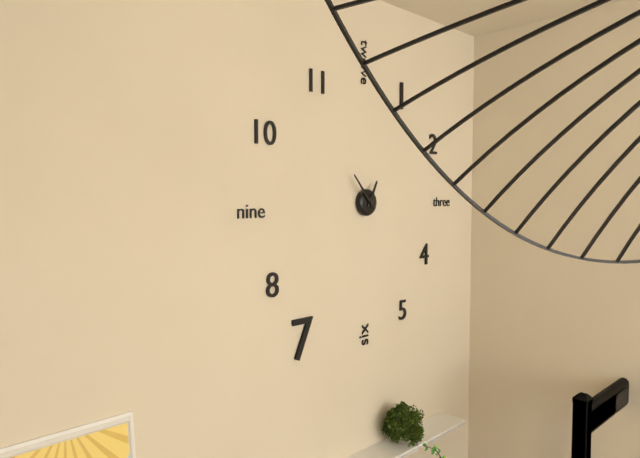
**12:53**
